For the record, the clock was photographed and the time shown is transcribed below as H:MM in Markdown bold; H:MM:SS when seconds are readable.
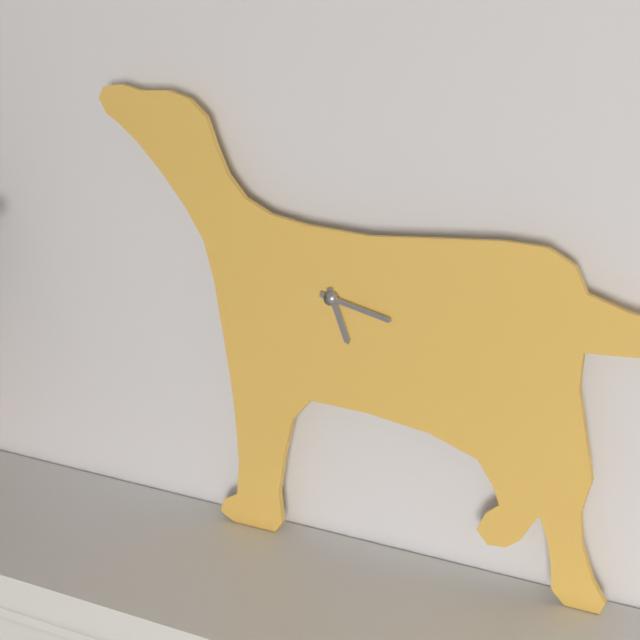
**5:17**
